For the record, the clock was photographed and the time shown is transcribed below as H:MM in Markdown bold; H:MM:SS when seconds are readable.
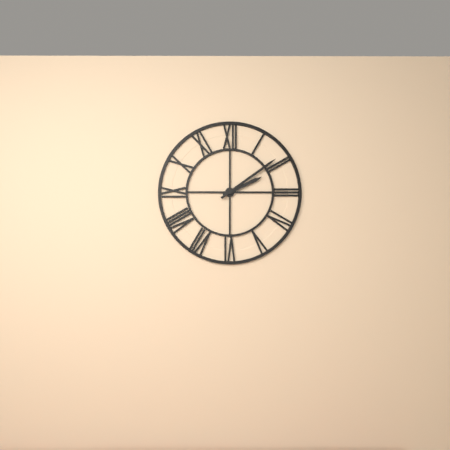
**2:09**
